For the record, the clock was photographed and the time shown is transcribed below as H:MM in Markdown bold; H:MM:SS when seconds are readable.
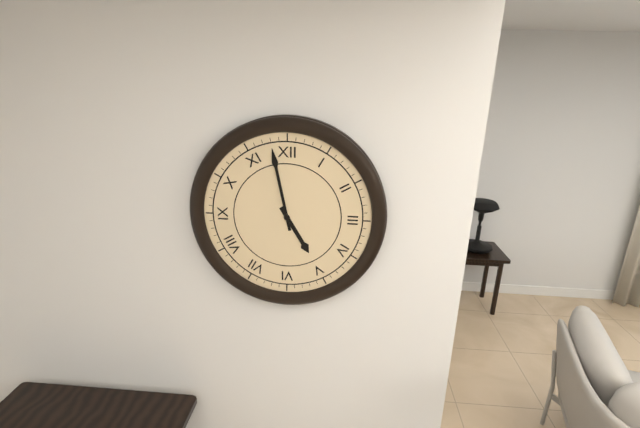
**4:58**
